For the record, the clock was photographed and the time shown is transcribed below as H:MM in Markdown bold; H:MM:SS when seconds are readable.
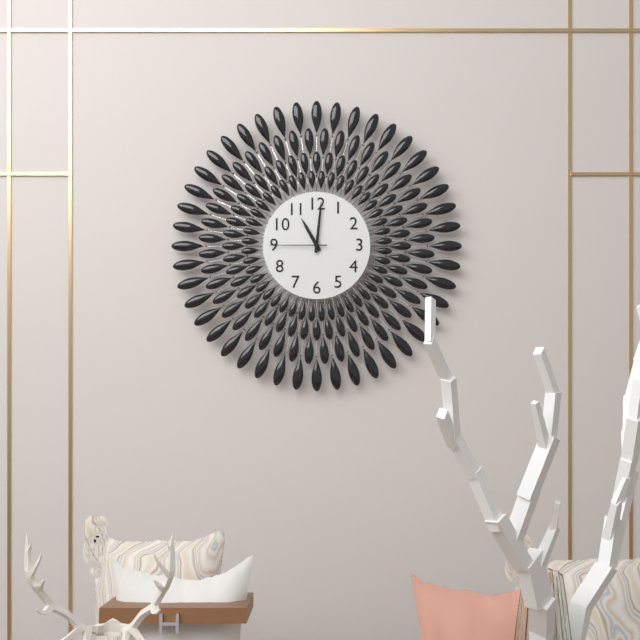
**11:01:45**
